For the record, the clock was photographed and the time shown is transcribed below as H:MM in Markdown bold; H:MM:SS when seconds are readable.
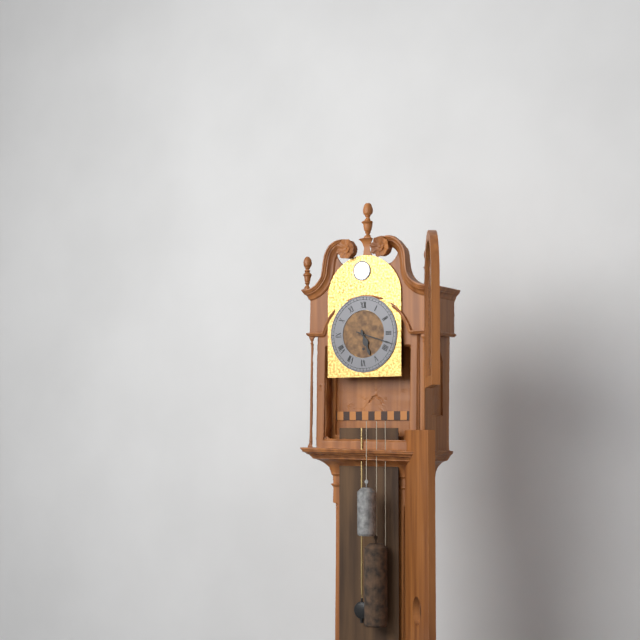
**5:18**
